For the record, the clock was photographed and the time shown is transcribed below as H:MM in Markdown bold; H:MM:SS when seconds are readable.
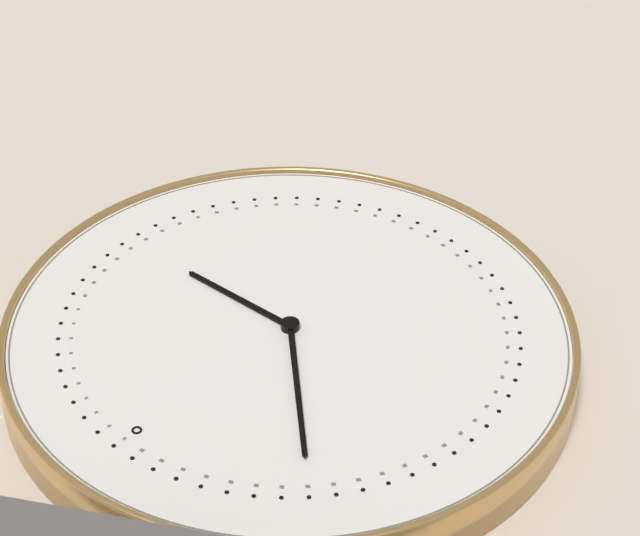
**2:52**
